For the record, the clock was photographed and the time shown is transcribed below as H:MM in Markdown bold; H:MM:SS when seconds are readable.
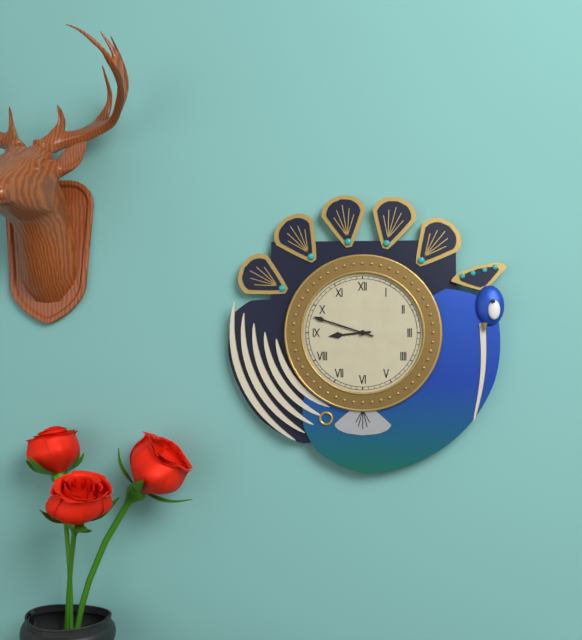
**8:48**
